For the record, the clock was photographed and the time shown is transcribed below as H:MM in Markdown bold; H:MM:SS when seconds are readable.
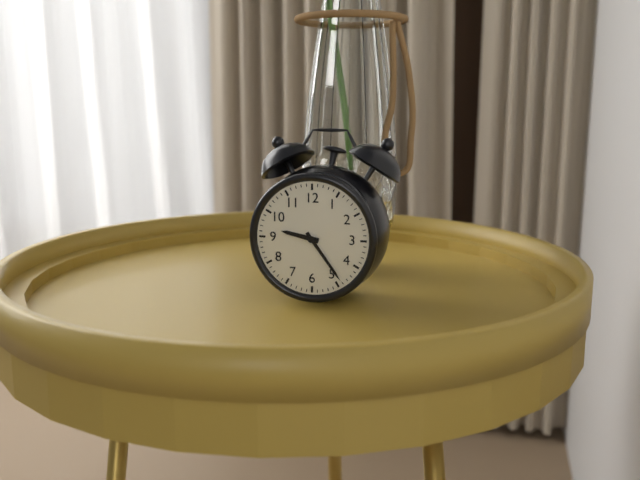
**9:24**
